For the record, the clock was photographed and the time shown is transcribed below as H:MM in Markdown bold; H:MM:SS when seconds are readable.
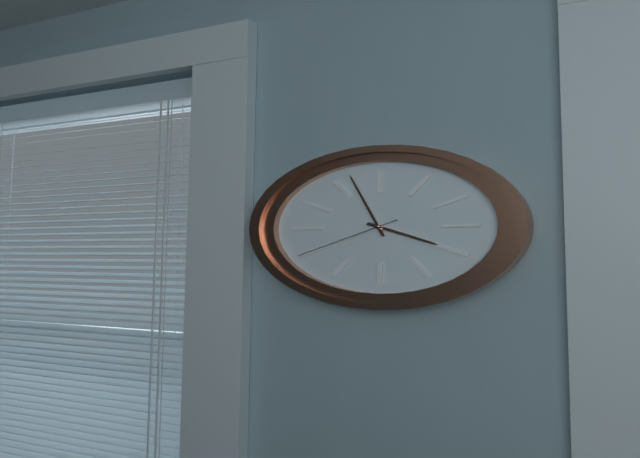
**3:57:40**
